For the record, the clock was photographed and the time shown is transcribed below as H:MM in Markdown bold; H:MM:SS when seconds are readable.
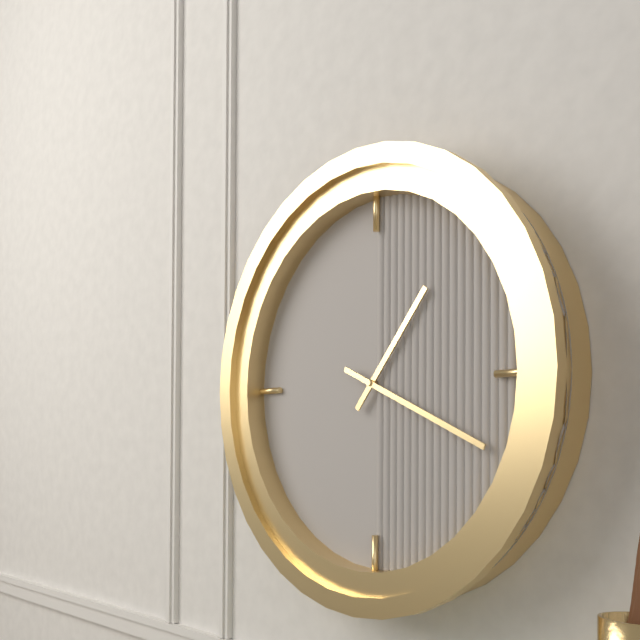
**1:19**
